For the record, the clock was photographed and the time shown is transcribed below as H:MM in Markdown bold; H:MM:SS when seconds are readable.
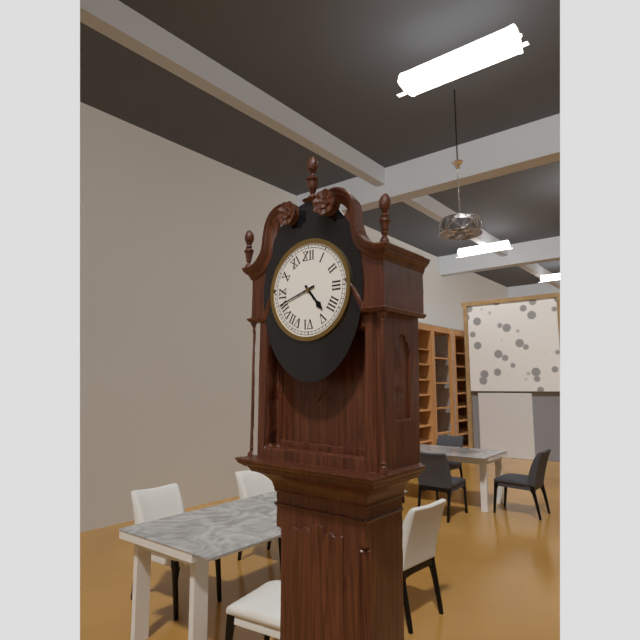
**4:42**
